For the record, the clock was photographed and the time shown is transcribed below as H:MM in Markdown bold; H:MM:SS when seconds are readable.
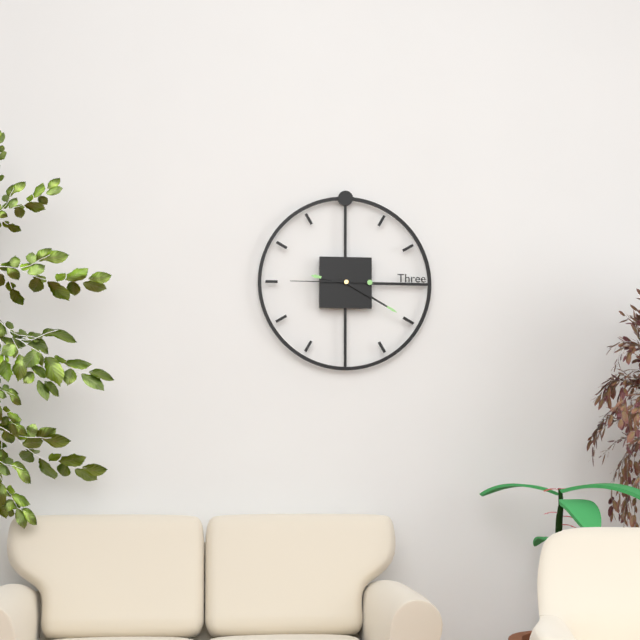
**9:20:45**
